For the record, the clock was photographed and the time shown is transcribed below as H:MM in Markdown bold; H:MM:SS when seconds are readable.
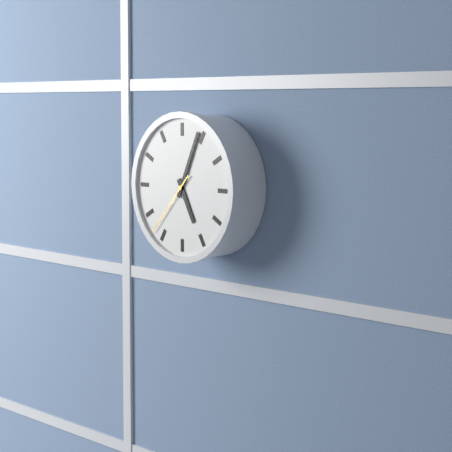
**5:04:37**
